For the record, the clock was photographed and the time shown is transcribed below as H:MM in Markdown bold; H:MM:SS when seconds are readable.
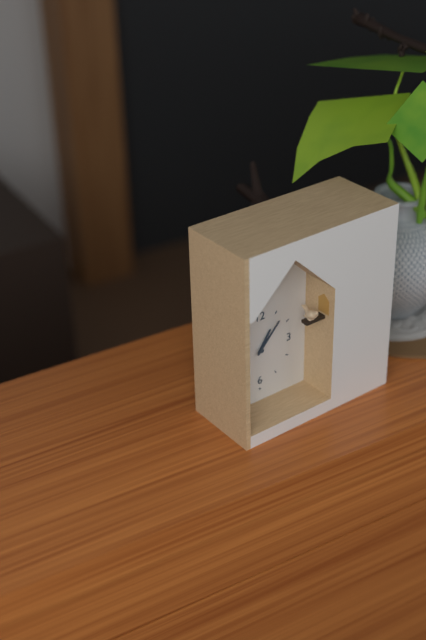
**1:07**
